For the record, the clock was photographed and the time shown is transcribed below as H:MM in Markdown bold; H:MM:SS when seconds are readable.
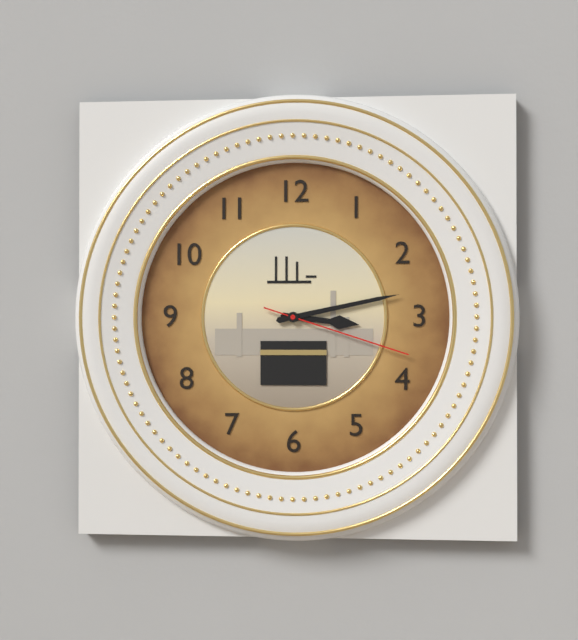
**3:13:18**
